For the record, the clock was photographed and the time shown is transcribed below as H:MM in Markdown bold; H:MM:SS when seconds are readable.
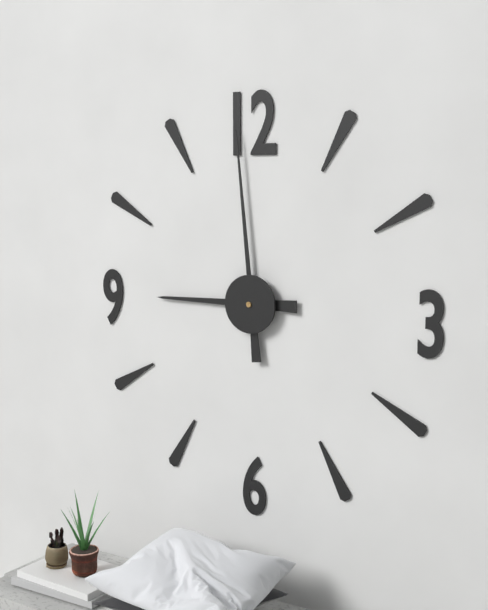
**8:59**
